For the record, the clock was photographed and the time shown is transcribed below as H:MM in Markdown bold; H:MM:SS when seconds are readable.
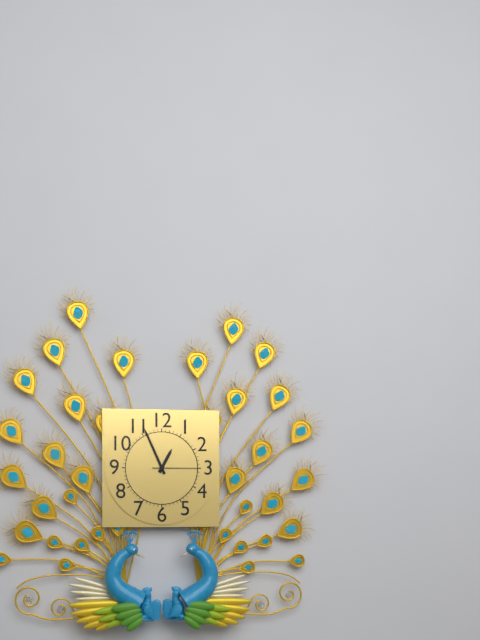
**12:56**
